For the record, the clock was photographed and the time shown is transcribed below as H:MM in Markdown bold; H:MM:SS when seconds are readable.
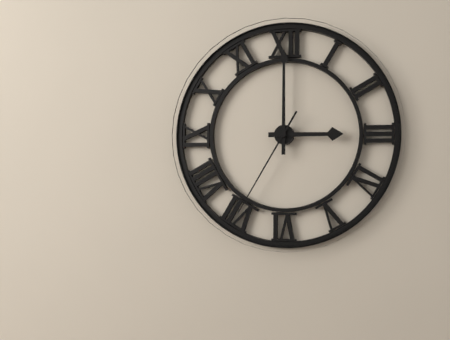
**3:00:35**
